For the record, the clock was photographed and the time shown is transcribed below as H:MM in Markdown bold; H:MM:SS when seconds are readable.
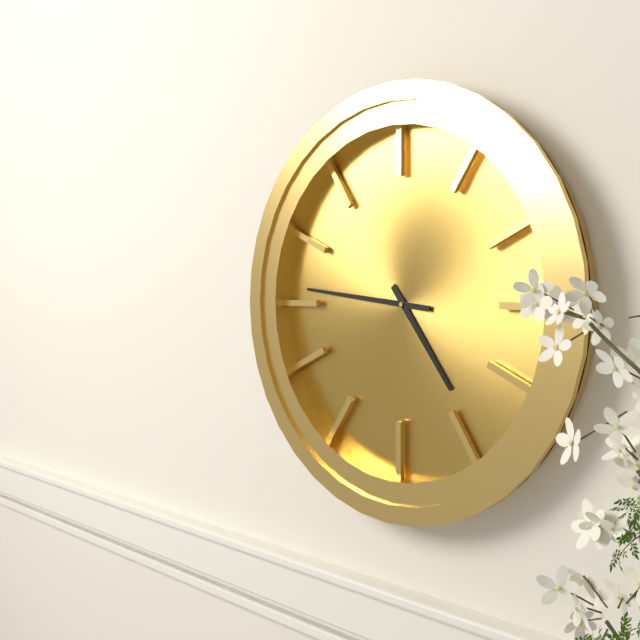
**4:46**
